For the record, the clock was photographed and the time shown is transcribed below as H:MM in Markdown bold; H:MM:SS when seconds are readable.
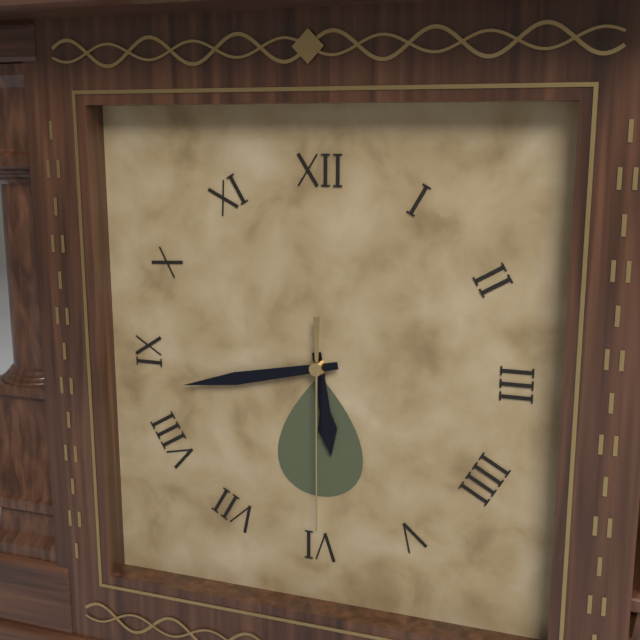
**5:43:30**
